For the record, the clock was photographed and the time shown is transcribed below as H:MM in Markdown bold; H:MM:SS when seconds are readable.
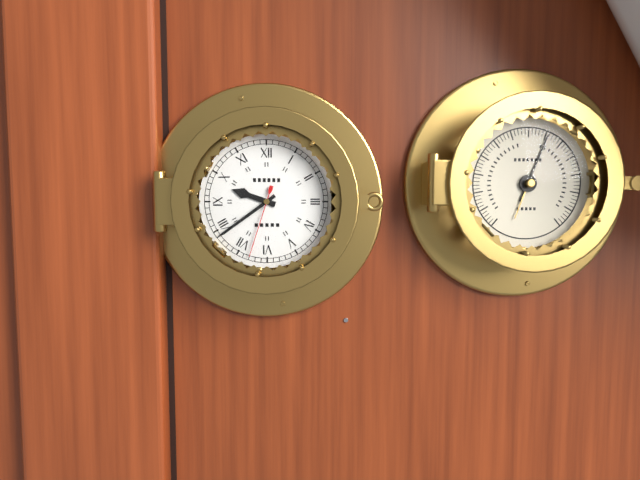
**9:39:33**
